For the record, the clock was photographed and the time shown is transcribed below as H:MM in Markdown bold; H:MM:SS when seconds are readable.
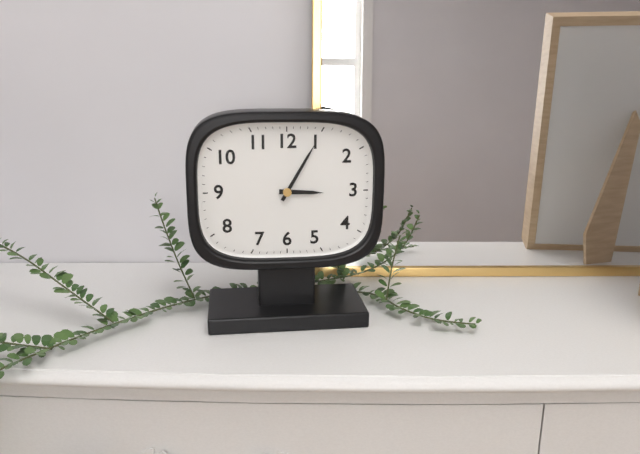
**3:05**
